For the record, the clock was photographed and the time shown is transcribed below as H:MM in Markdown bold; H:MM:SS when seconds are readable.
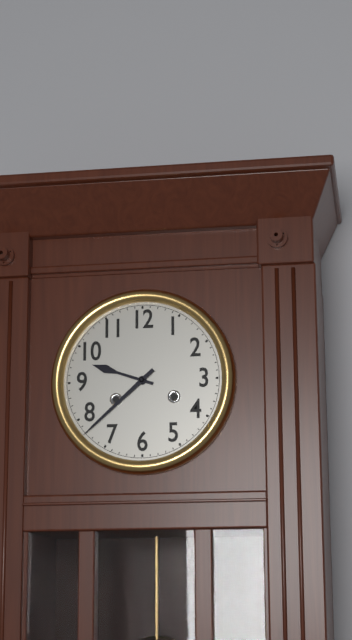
**9:38**
